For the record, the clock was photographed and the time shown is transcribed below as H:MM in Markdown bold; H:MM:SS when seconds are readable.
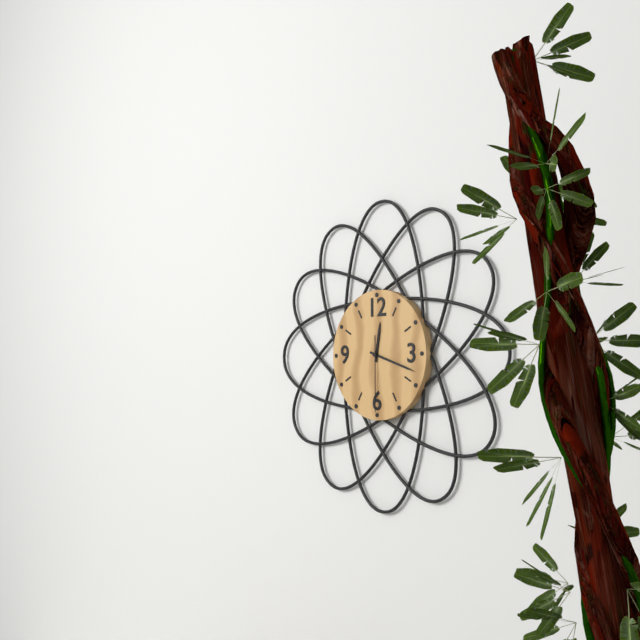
**12:18:30**
